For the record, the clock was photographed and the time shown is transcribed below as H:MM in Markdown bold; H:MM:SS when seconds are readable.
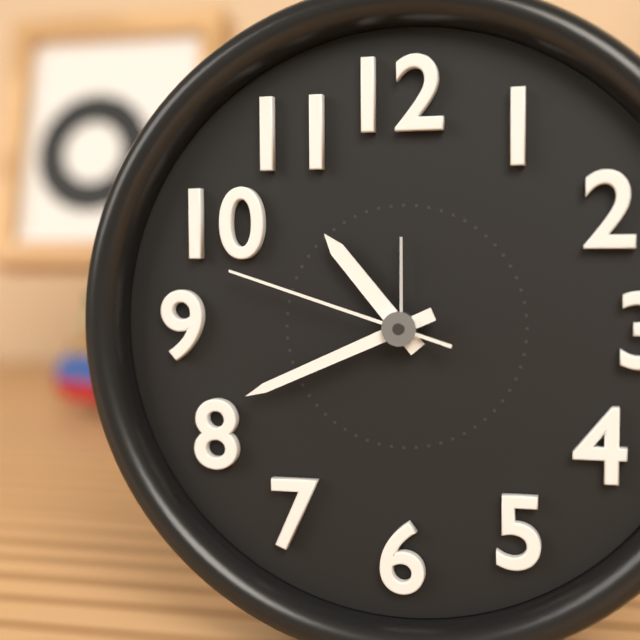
**10:41:48**
